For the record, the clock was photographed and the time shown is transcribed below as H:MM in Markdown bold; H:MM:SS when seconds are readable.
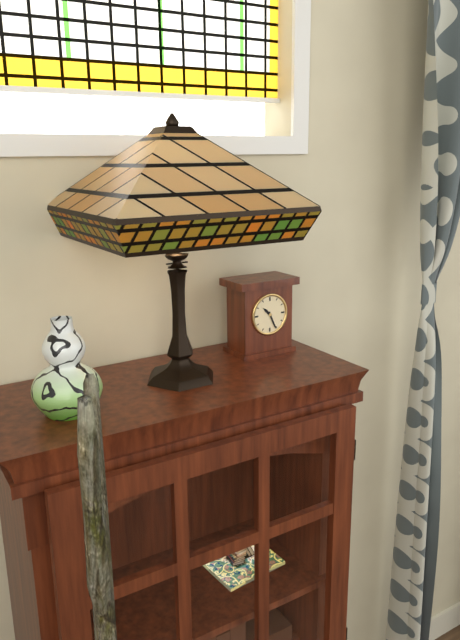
**10:26**
